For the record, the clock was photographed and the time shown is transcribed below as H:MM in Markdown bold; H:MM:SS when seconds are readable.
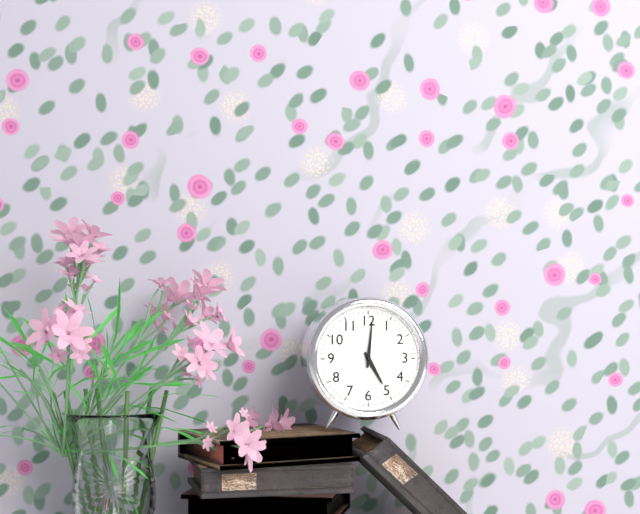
**5:01**
